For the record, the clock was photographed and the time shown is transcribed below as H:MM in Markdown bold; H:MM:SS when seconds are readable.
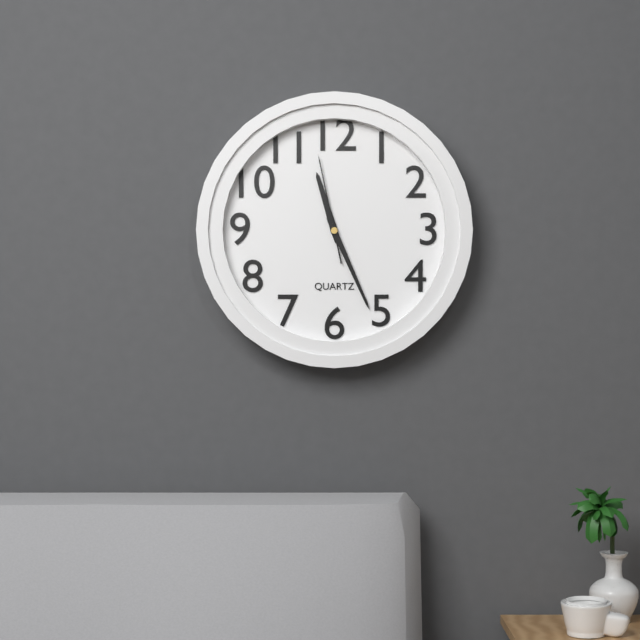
**11:26:58**
